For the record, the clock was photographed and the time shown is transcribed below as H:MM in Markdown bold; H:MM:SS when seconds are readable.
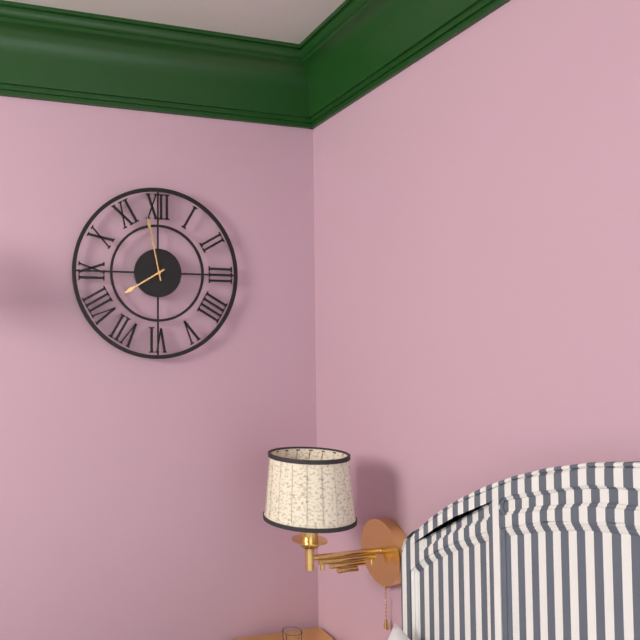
**7:58**
